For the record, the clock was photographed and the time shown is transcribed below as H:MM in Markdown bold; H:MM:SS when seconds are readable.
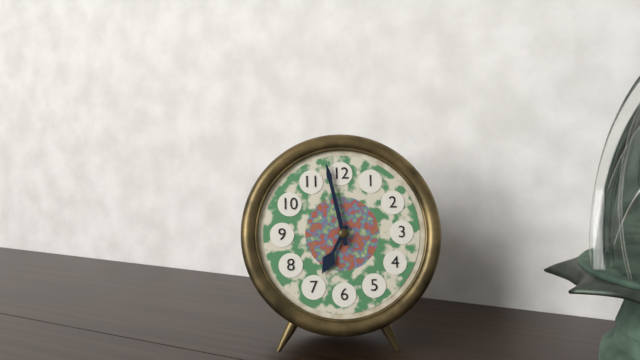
**6:58**
